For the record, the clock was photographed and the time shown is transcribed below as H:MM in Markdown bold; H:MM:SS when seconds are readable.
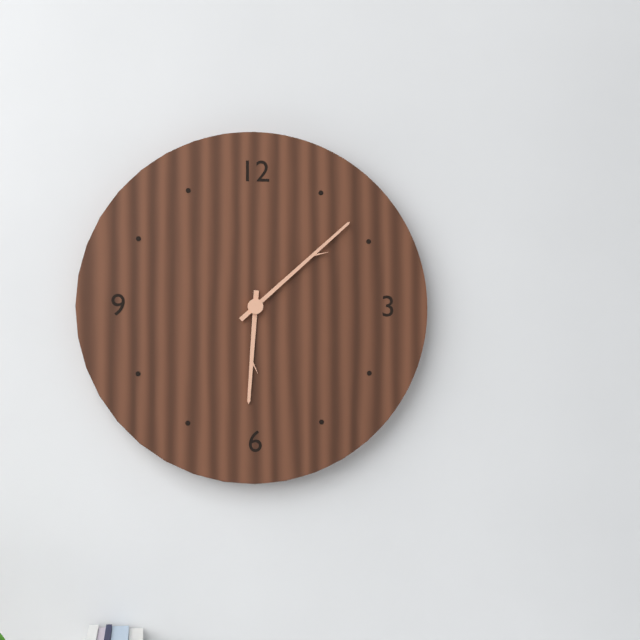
**6:08**
